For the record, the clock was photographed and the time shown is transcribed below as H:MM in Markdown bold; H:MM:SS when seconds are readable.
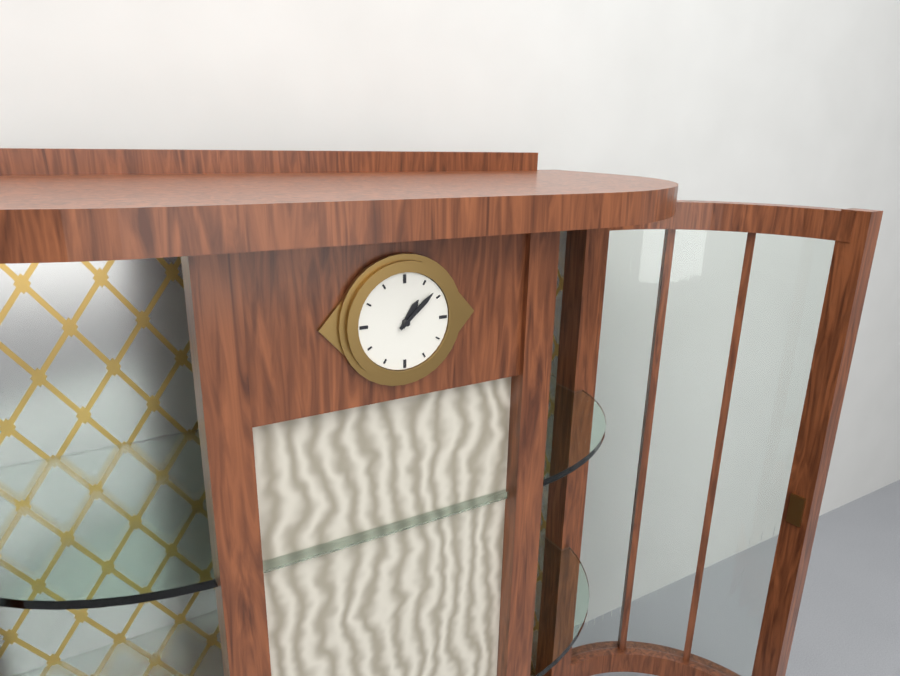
**1:08**
